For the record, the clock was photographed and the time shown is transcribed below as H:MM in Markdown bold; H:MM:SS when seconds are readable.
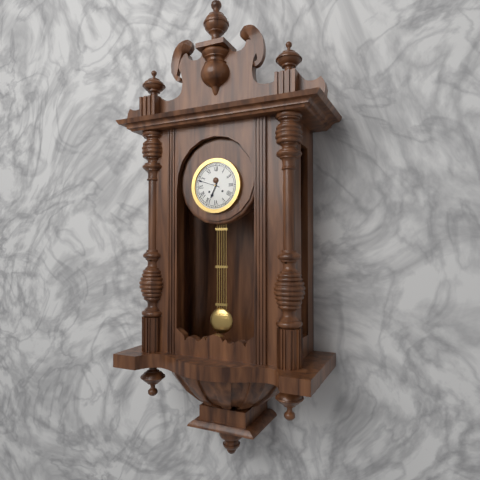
**6:48**
